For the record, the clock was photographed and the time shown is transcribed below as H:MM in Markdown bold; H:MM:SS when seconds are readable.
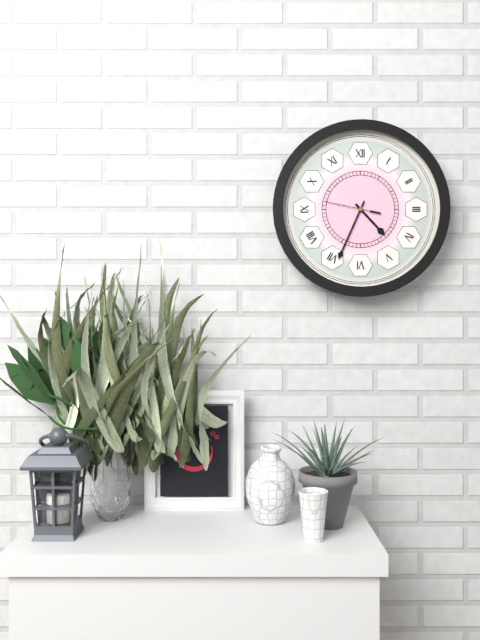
**4:34**
